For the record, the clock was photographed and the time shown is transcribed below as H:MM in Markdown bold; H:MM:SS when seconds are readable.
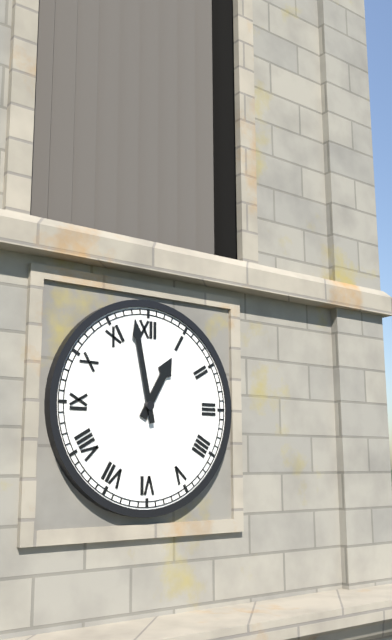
**12:58**
